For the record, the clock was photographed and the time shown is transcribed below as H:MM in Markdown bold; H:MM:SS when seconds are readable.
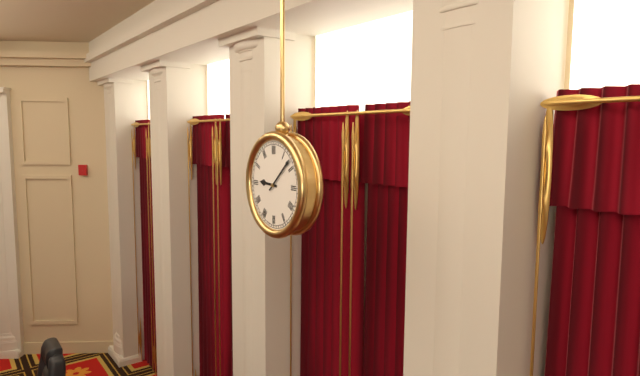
**9:08**
